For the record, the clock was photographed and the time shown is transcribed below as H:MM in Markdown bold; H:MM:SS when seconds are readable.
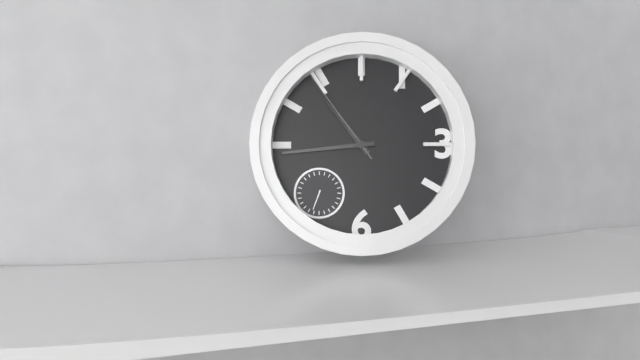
**10:44:54**
